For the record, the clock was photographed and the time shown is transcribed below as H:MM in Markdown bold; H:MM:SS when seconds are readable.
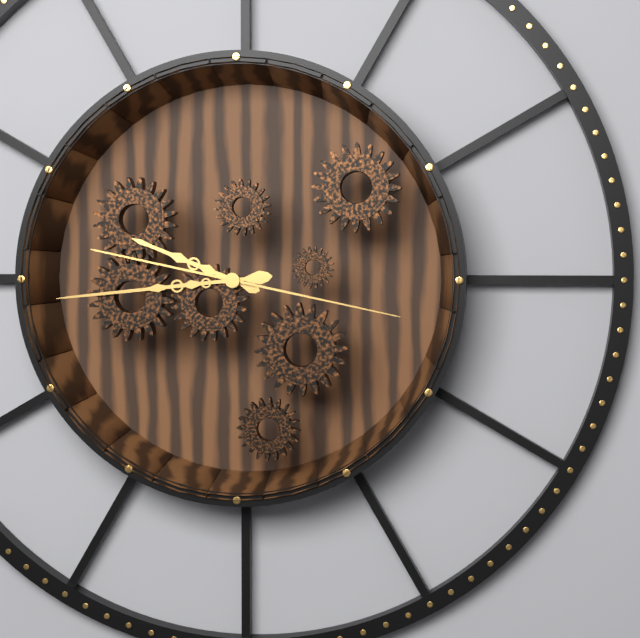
**9:44:17**
